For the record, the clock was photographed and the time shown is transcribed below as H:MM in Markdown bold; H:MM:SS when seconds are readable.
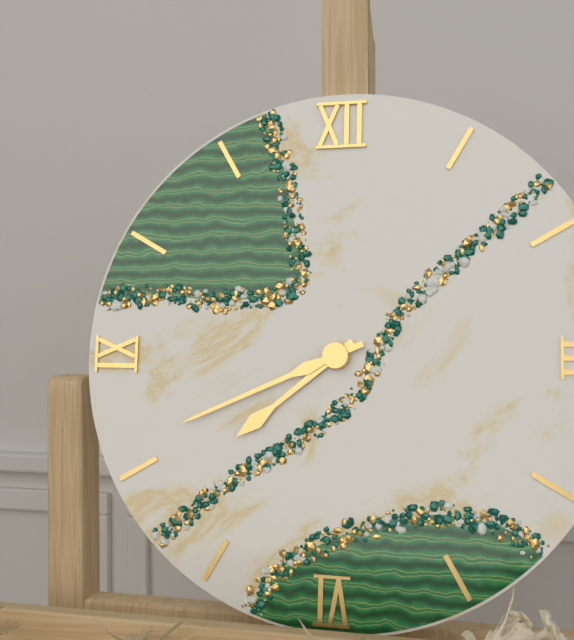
**7:41**
